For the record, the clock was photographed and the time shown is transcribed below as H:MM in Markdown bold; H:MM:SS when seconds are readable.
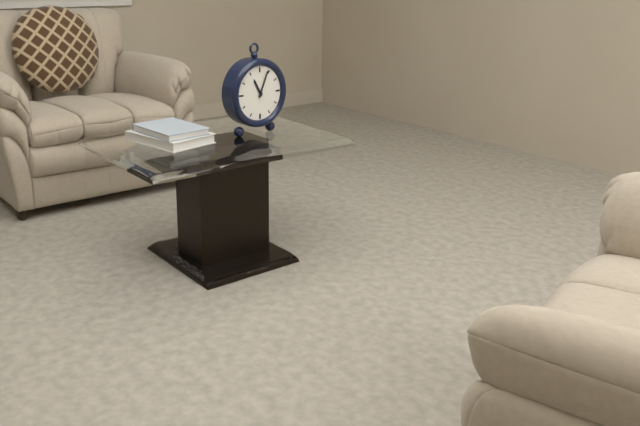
**11:04**
